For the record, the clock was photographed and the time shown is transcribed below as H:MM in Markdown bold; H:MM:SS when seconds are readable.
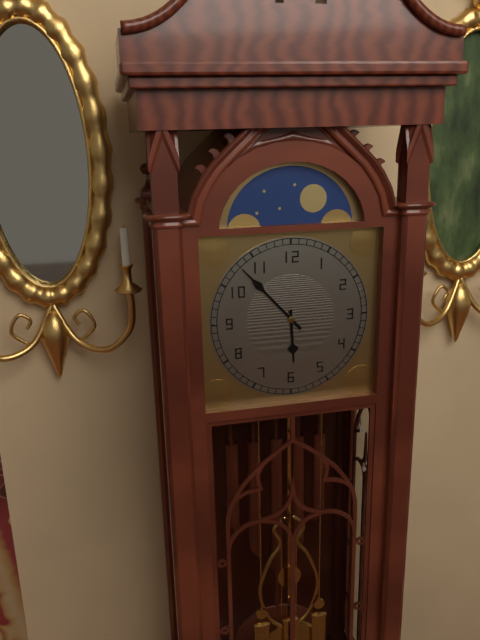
**5:53**
